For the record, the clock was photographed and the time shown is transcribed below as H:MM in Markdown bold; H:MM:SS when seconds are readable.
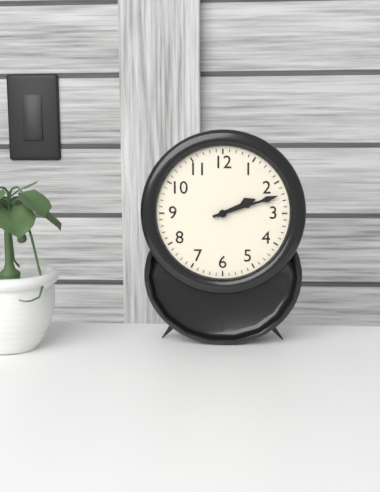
**2:12**
